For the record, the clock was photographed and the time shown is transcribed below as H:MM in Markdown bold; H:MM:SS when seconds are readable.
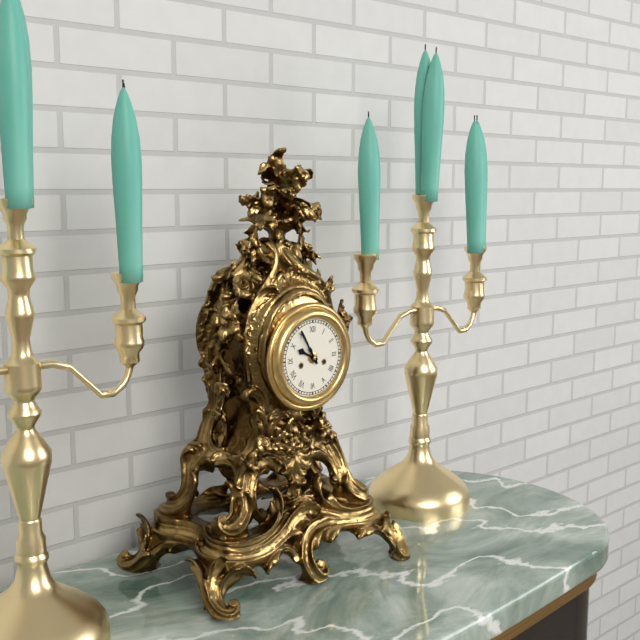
**9:55**
